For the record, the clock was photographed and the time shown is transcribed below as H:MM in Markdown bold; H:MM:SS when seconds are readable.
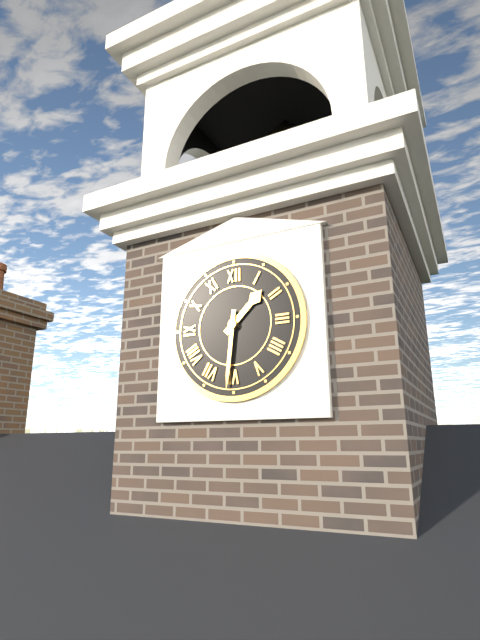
**1:31**
